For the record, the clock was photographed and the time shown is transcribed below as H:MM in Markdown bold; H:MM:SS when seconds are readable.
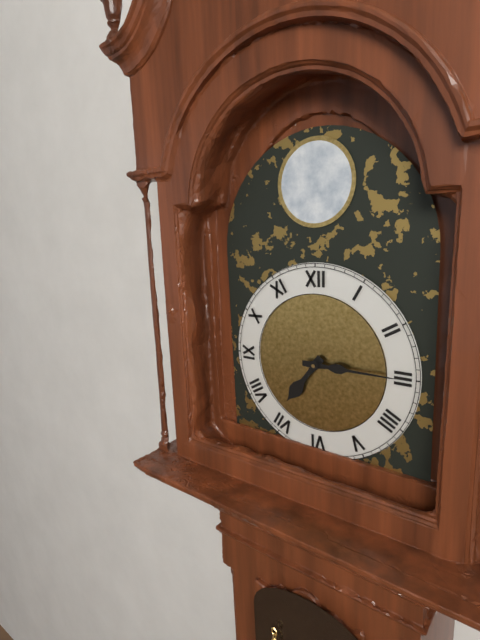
**7:15**
